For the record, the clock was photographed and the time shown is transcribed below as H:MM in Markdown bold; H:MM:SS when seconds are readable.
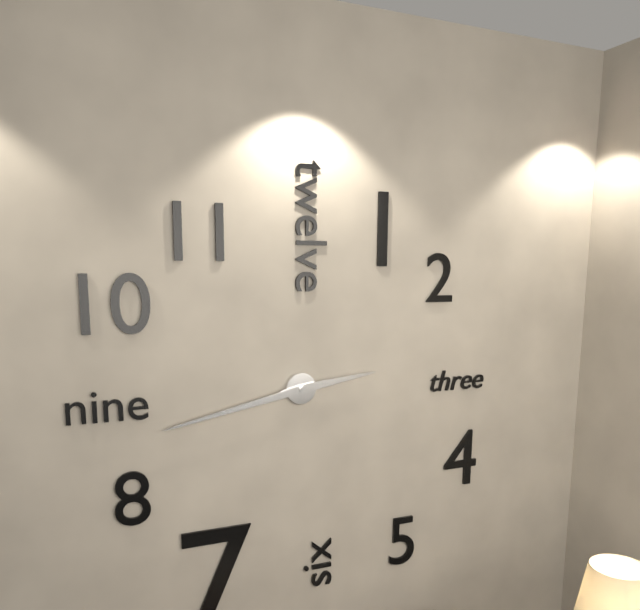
**2:43**
